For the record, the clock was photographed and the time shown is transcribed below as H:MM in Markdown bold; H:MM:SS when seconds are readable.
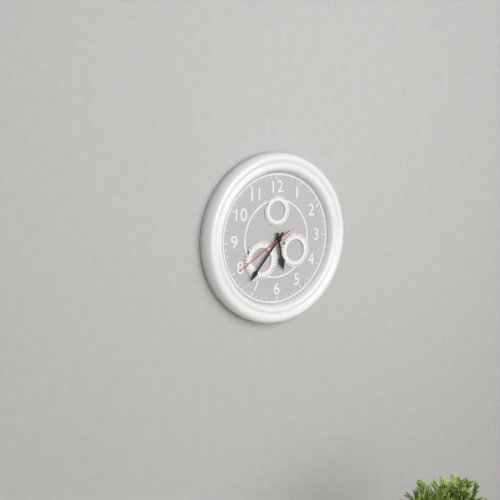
**5:37:40**
